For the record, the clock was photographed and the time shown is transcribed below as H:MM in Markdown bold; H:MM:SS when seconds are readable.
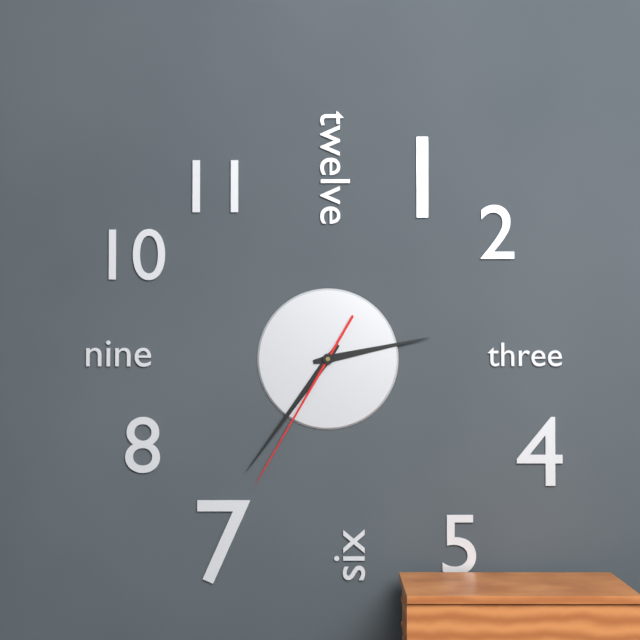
**2:36:35**
